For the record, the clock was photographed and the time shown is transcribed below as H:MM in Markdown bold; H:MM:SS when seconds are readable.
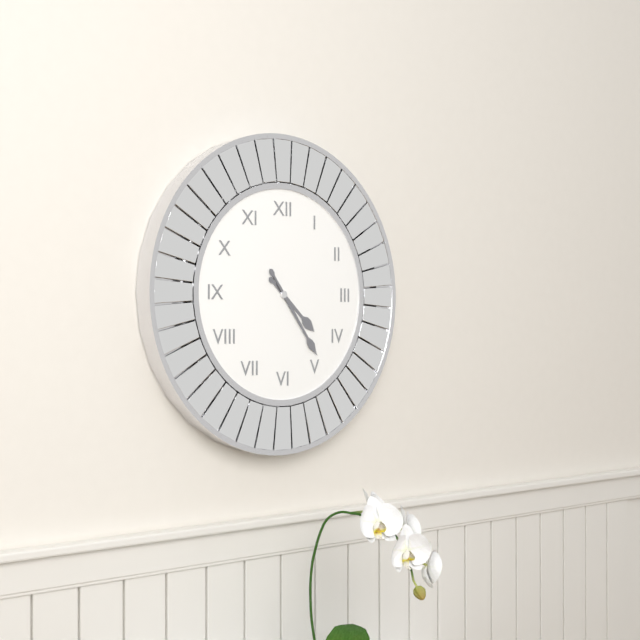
**4:24**
